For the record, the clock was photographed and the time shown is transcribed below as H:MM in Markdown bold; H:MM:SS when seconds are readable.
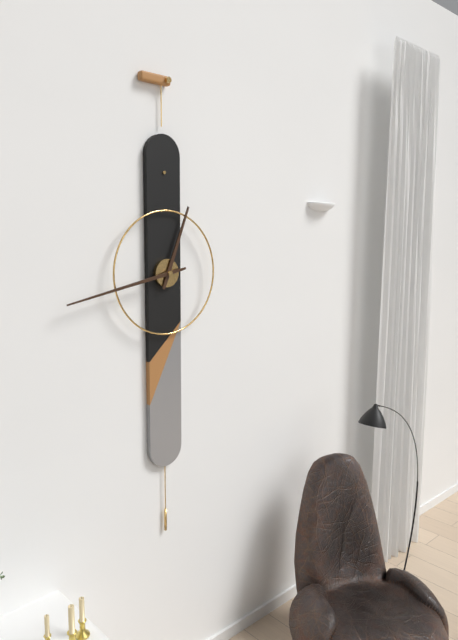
**12:43**
